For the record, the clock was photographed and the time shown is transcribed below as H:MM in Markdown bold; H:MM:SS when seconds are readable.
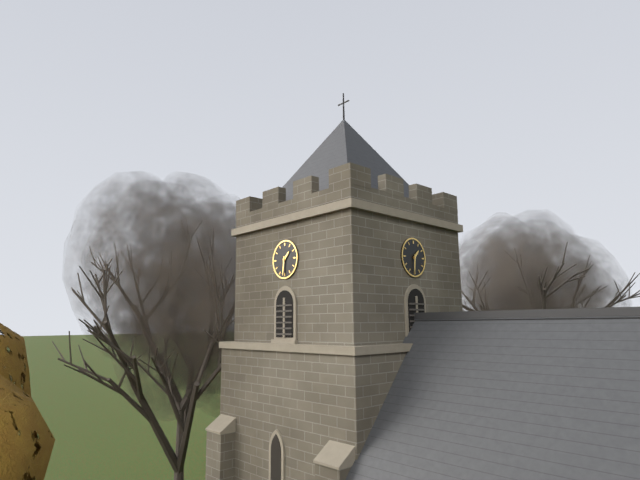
**1:31**
